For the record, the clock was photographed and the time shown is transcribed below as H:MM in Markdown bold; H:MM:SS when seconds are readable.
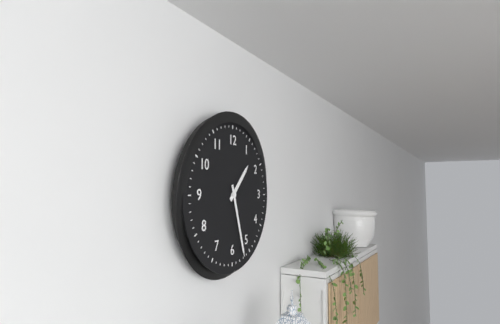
**1:27**
